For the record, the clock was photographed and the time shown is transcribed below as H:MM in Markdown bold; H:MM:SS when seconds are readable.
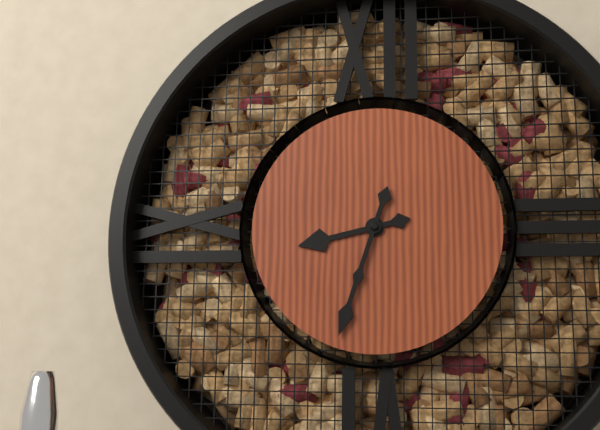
**8:33**
